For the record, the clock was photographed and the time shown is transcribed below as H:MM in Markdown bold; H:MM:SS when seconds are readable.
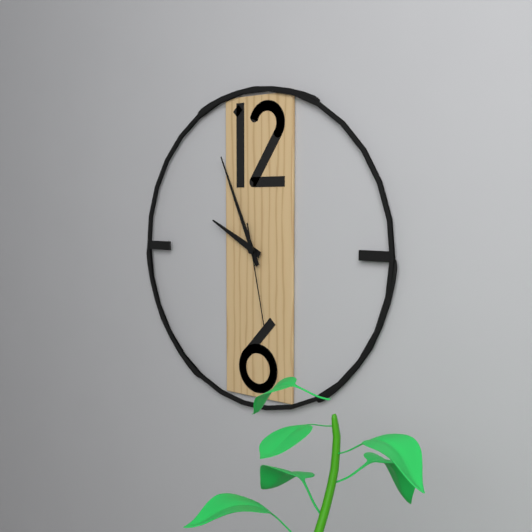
**9:56:28**
